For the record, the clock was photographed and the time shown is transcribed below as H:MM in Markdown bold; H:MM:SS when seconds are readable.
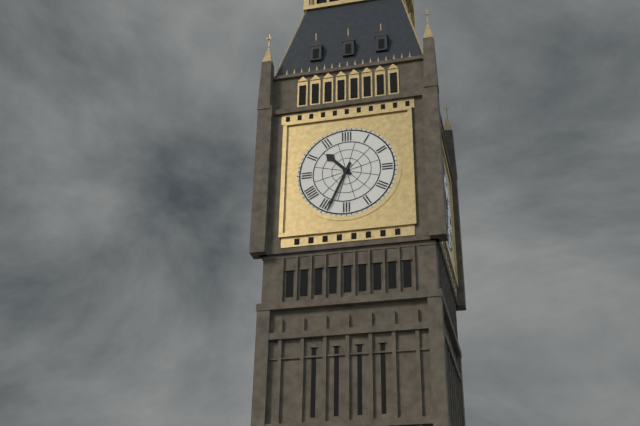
**10:34**
